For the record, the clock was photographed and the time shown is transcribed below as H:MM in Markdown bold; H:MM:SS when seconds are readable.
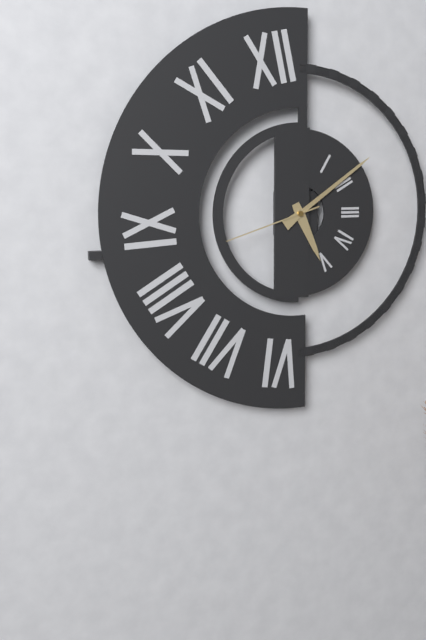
**5:09:42**
